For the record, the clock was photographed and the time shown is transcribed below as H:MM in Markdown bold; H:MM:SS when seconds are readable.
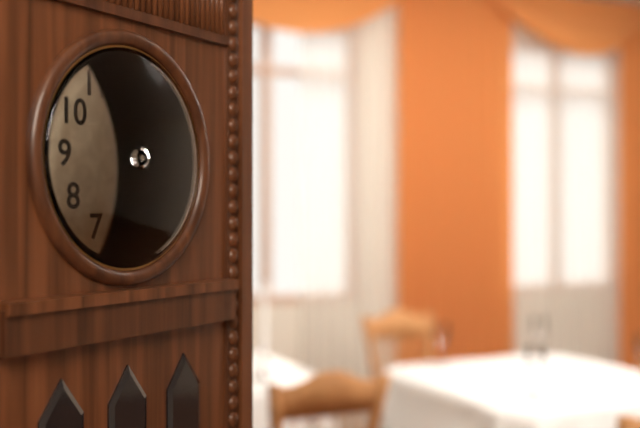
**12:00**
